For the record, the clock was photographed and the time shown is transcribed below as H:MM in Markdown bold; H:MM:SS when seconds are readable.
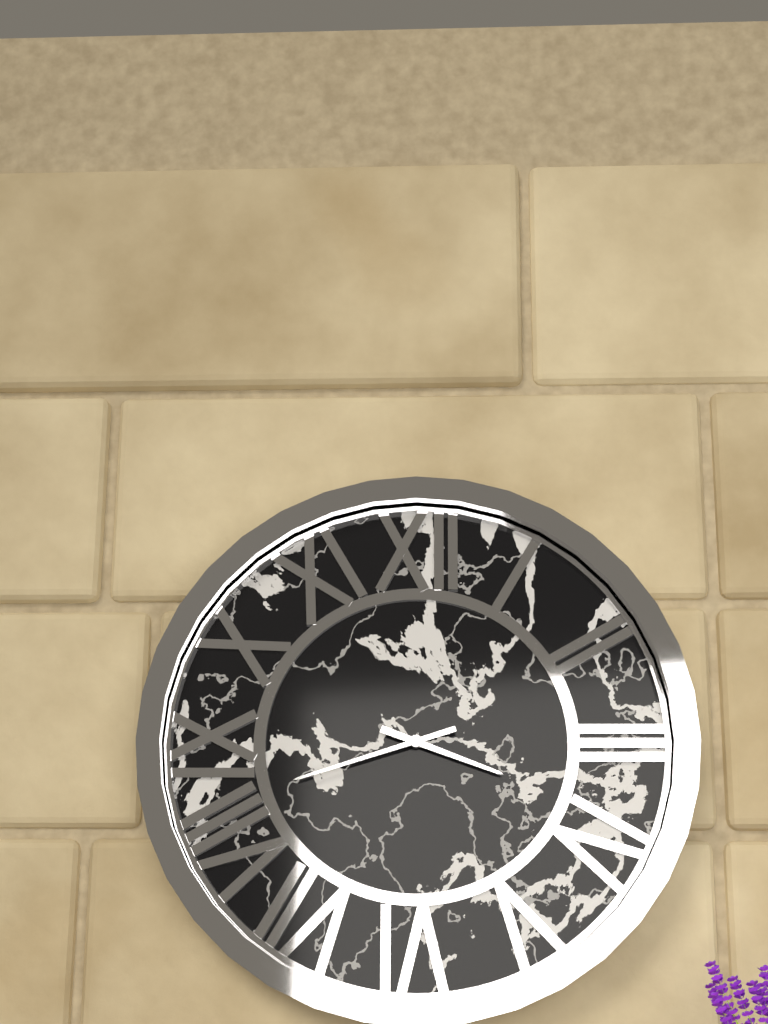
**3:42**
